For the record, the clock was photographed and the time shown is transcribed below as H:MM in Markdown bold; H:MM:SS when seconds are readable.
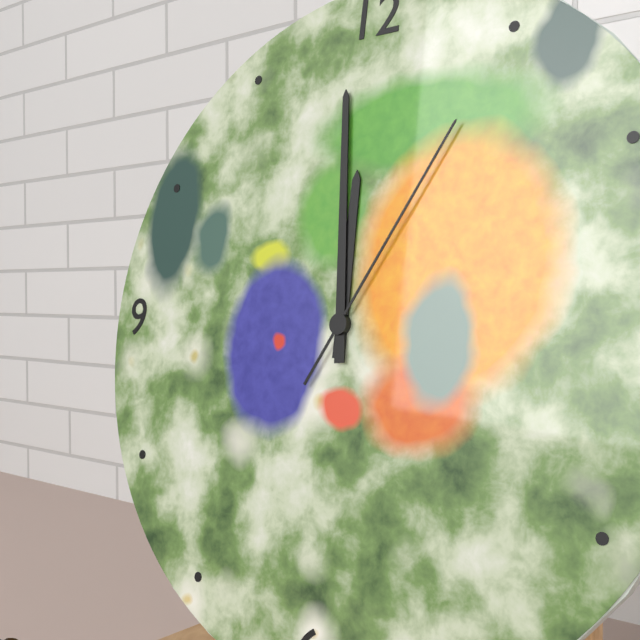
**11:59:05**
